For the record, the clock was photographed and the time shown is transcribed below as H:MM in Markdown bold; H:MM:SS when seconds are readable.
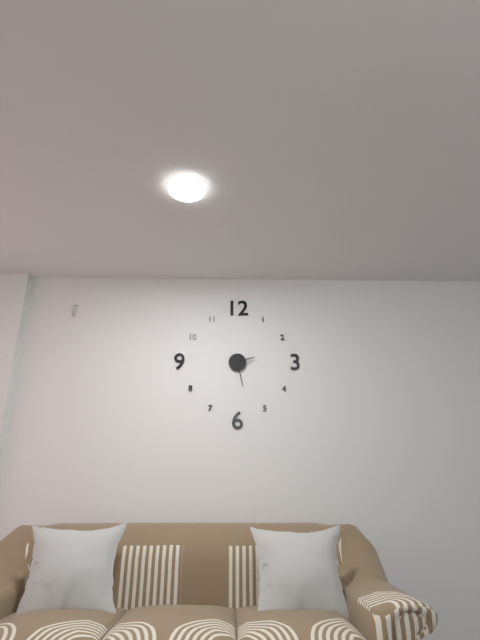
**2:28**
